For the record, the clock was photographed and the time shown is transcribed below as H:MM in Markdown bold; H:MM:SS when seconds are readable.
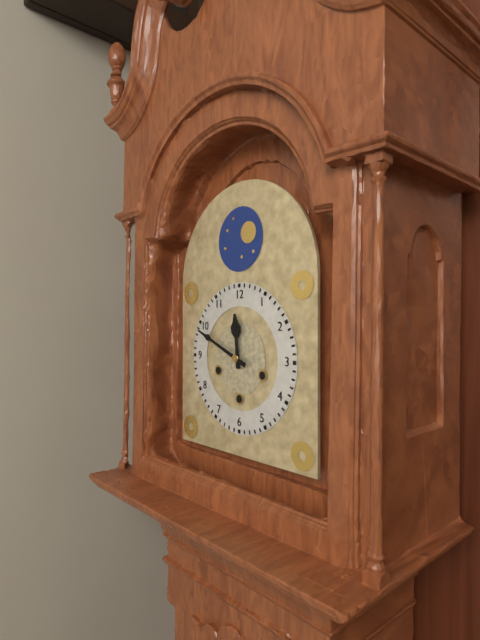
**11:49**
